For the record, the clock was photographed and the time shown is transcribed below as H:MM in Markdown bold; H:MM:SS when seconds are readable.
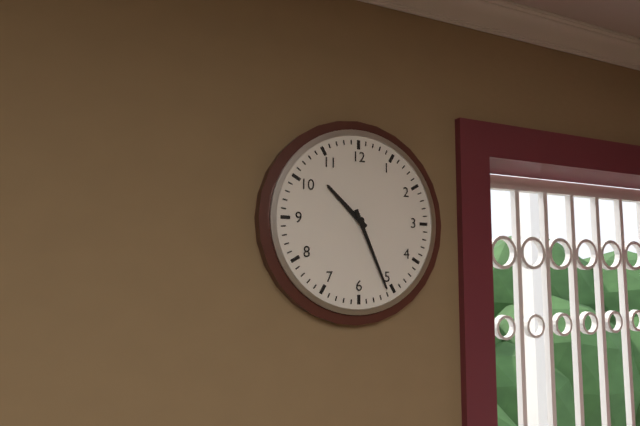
**10:26**
